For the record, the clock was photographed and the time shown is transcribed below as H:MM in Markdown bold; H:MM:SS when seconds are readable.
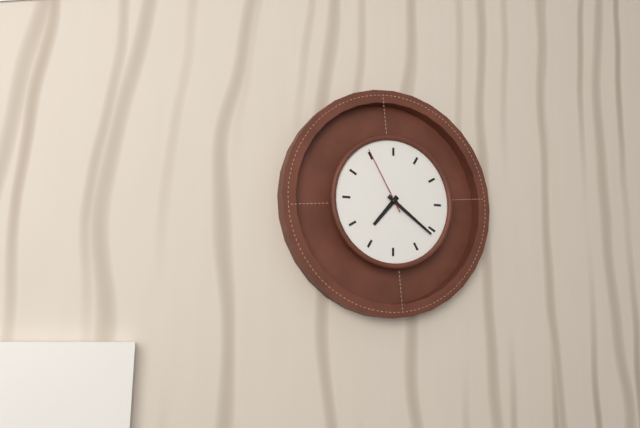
**7:21:55**
